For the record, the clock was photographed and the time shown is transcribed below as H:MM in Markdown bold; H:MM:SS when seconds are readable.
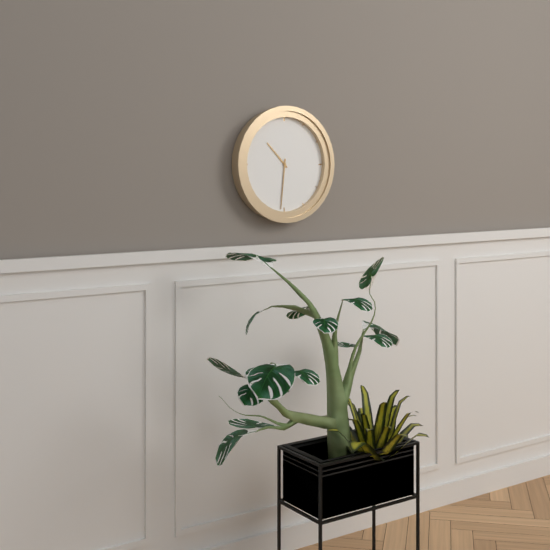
**10:31**
